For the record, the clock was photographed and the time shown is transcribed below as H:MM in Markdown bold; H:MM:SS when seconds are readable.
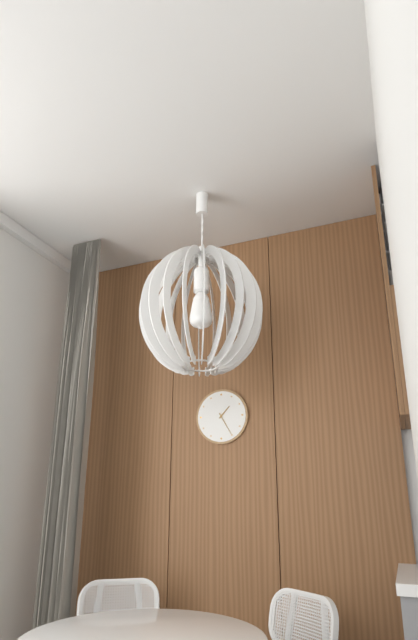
**1:25**
